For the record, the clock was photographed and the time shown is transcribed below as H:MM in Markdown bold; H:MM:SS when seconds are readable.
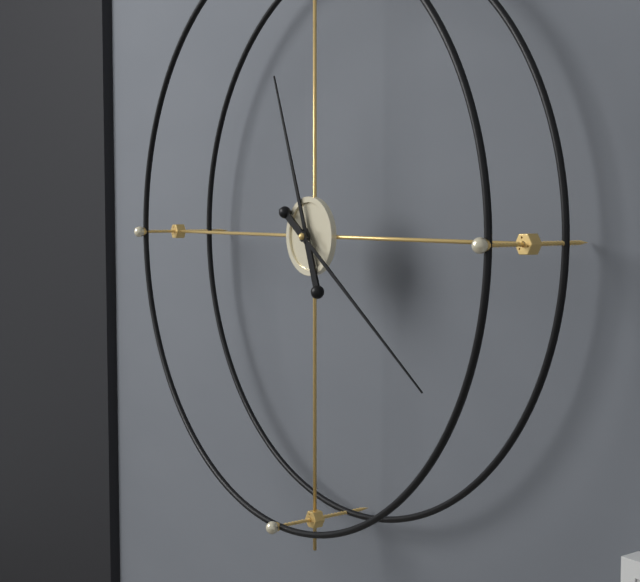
**11:21**
